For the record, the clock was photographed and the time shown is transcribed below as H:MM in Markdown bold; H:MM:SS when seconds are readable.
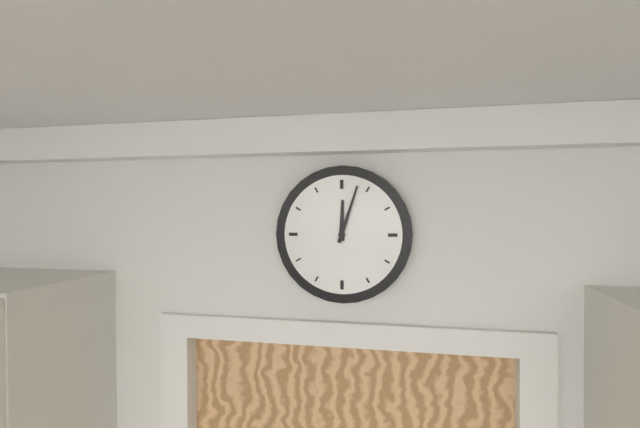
**12:03**
